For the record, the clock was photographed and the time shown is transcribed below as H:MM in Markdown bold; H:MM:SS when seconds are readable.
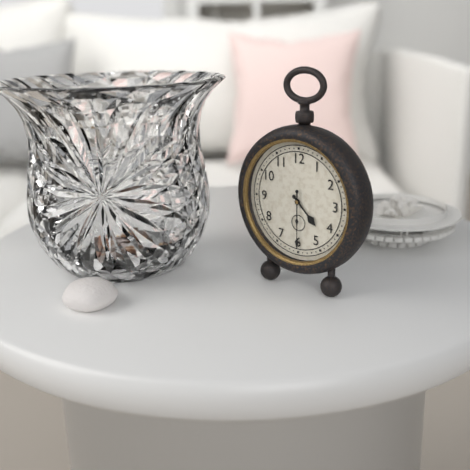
**4:30**
